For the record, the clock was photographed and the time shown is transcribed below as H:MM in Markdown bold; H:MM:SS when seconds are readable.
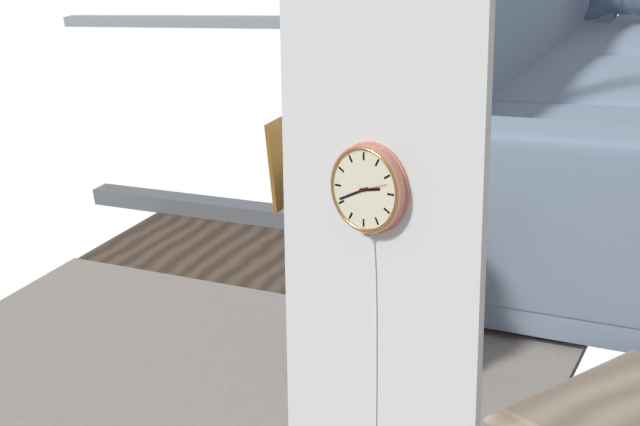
**2:41**
